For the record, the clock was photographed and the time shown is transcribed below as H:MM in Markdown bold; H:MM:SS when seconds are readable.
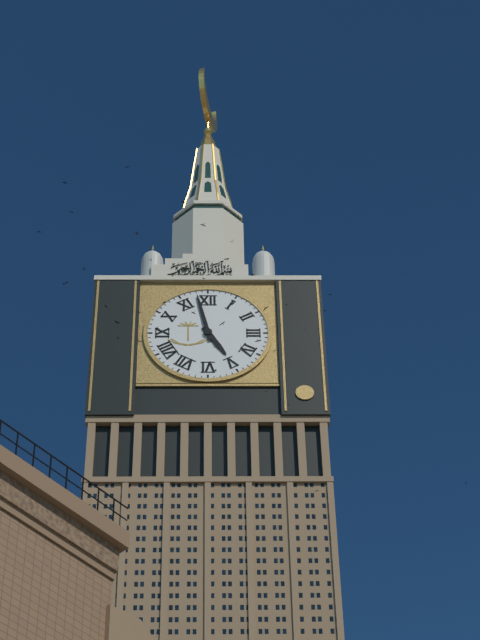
**4:58**
